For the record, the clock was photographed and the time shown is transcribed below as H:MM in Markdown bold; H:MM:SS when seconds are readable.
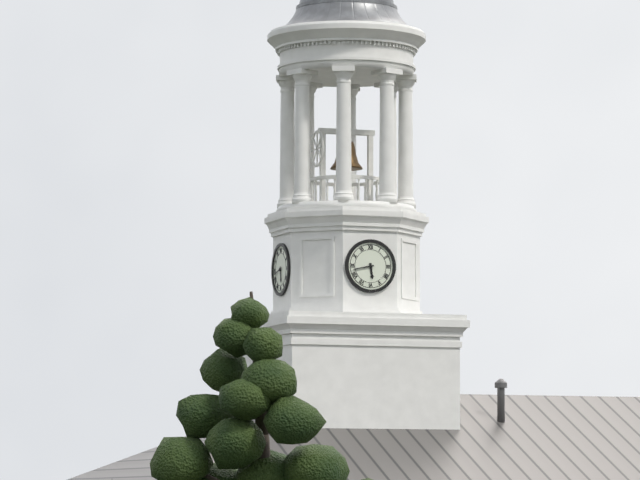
**5:43**
